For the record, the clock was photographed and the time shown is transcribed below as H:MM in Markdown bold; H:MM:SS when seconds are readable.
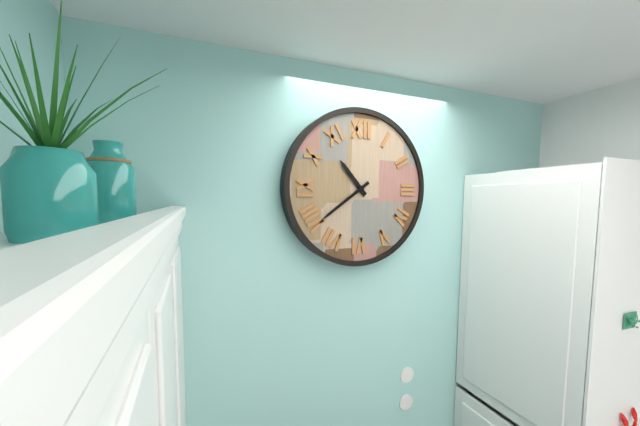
**10:39**
